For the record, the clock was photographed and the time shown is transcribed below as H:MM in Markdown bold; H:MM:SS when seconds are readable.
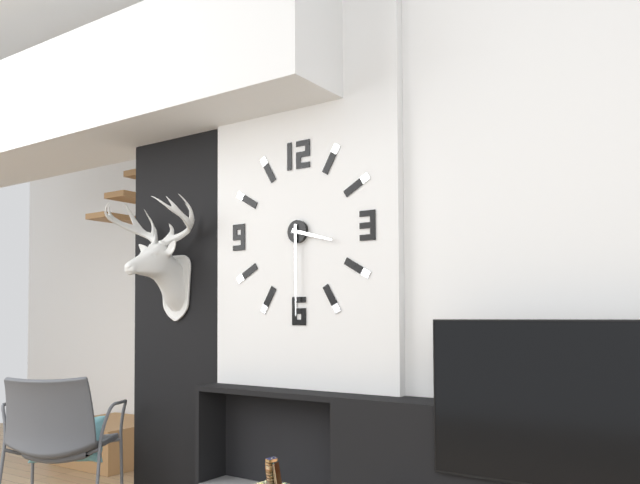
**3:30**
